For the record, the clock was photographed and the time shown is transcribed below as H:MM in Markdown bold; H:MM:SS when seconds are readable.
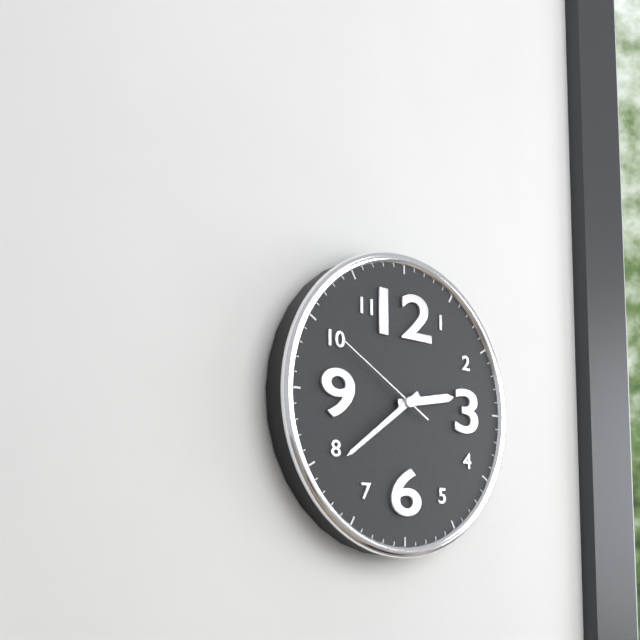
**2:39:50**
